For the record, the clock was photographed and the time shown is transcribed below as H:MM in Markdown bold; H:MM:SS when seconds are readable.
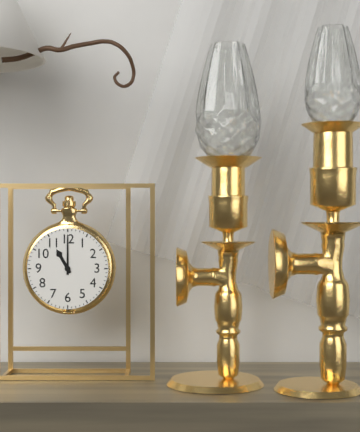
**11:00**
